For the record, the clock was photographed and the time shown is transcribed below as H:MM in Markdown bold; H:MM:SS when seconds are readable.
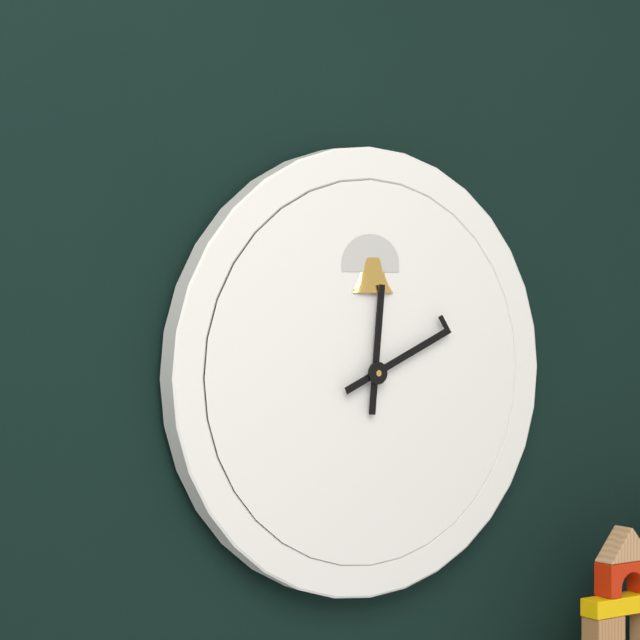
**12:11**
